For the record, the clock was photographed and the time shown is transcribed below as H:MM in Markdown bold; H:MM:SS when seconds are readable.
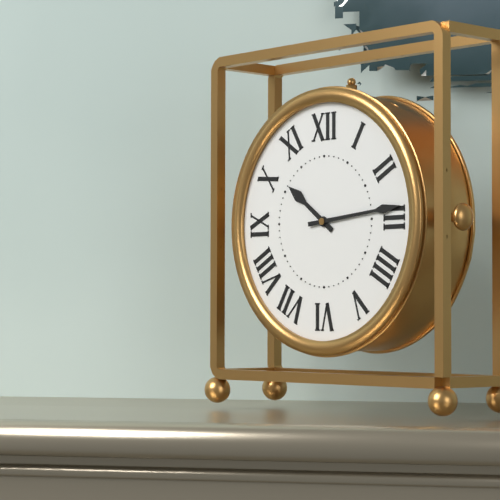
**10:14**
